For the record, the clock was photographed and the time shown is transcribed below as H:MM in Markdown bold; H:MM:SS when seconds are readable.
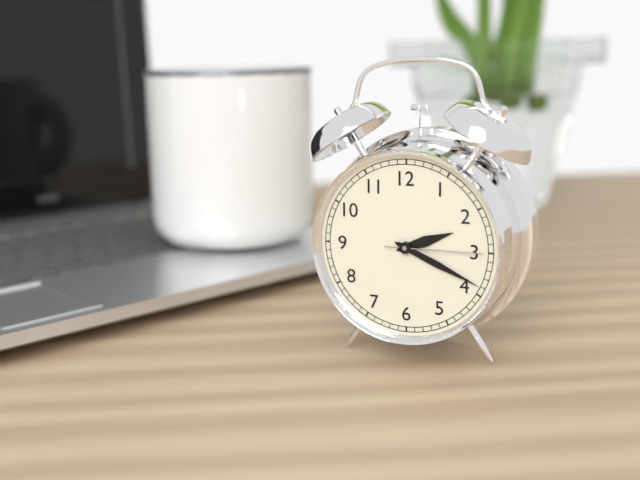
**2:19:15**
